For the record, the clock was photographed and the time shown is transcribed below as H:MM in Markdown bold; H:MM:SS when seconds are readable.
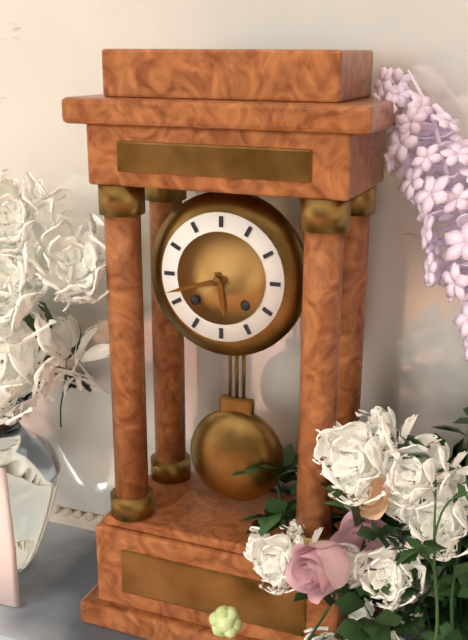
**5:42**
